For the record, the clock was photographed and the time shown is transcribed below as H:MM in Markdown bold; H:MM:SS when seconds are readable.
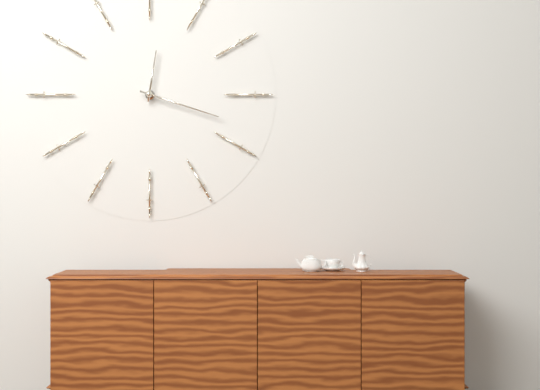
**12:18**
